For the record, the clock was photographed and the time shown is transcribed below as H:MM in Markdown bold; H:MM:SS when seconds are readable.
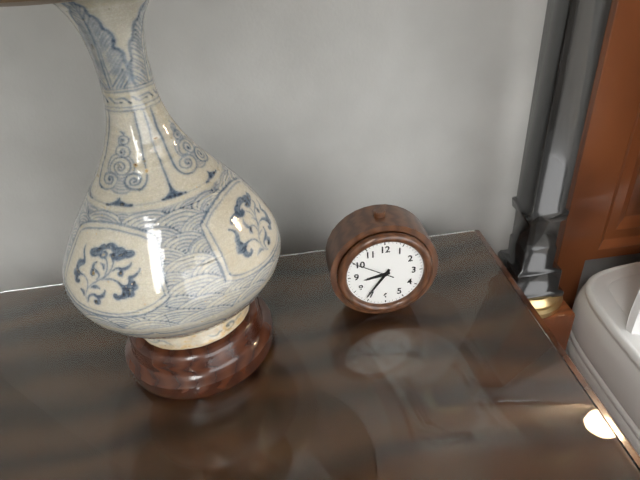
**8:36**
